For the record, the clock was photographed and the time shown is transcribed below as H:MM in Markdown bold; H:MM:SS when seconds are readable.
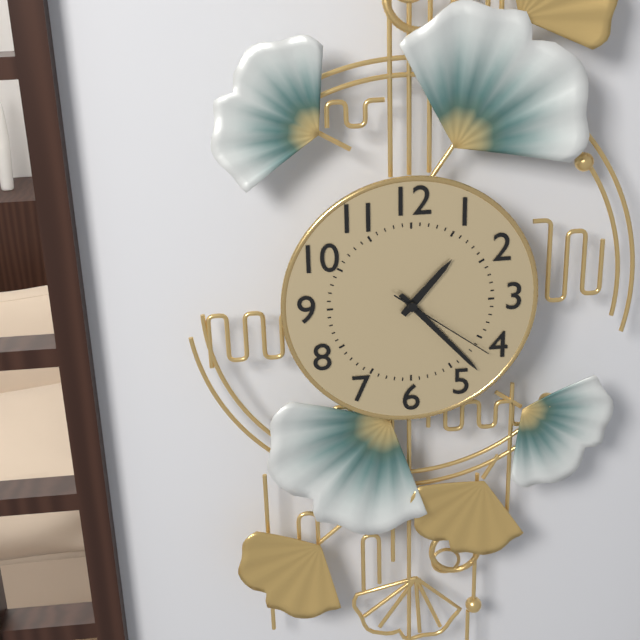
**1:23:21**
